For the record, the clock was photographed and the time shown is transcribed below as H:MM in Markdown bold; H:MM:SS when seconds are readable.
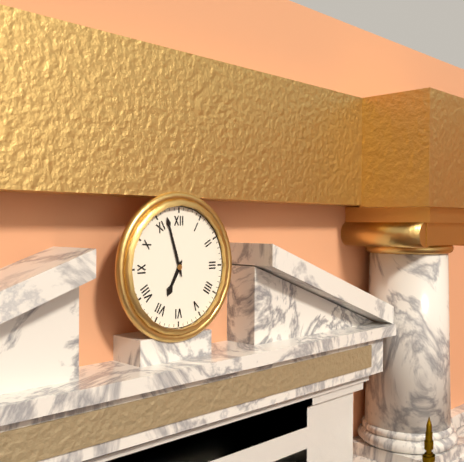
**6:57**
